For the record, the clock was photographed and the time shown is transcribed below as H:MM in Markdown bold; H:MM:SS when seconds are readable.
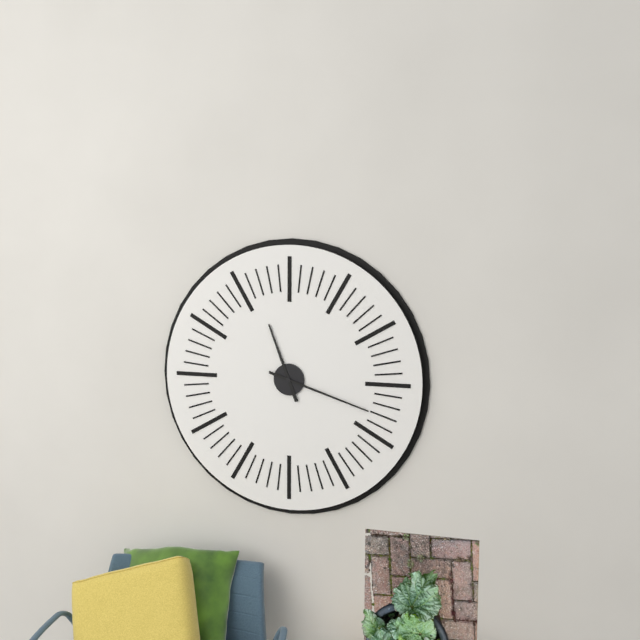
**11:18**
